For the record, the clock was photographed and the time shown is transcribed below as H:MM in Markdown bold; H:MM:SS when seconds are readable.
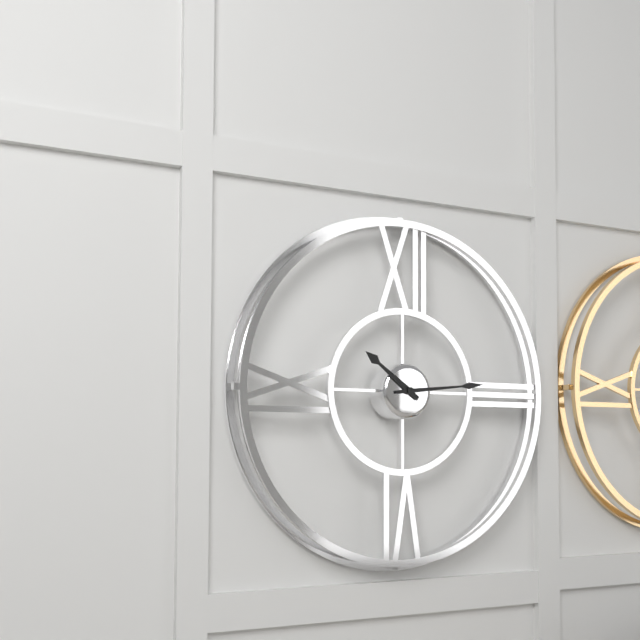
**10:14**
